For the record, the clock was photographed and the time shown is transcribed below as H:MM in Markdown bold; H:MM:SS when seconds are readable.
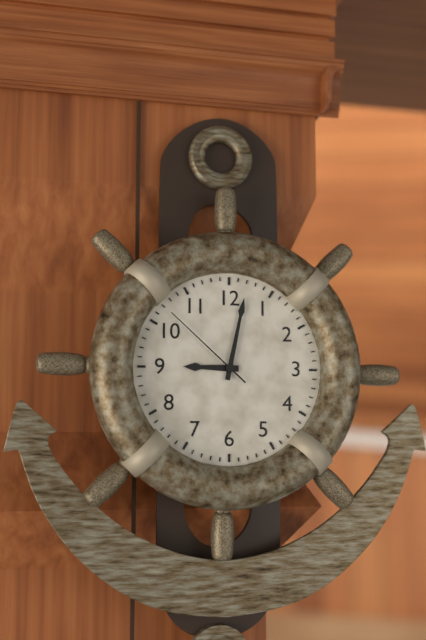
**9:02:52**
